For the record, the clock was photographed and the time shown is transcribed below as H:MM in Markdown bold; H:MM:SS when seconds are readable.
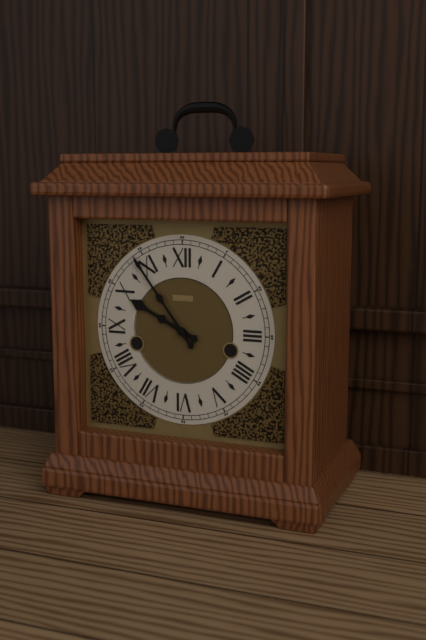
**9:54**
